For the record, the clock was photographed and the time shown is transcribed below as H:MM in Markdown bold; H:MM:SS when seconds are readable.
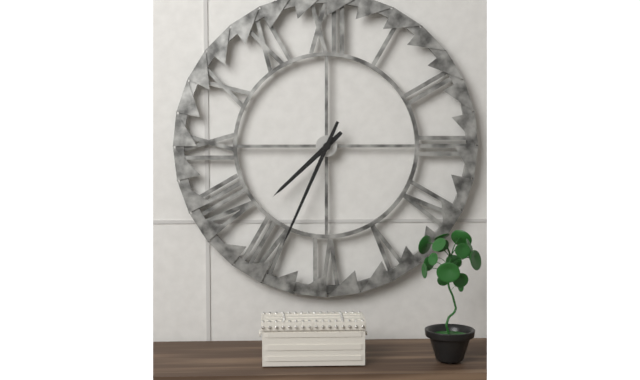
**7:34**
